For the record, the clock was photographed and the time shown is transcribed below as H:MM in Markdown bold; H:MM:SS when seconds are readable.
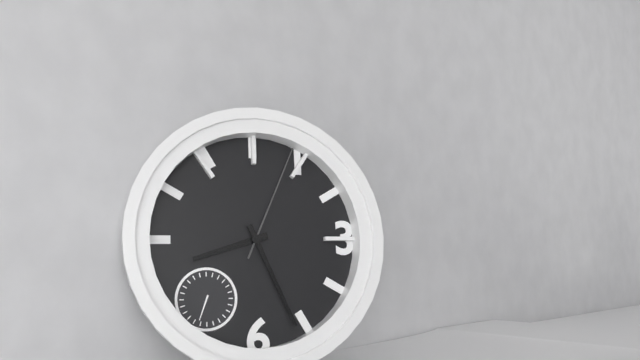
**8:26:04**
